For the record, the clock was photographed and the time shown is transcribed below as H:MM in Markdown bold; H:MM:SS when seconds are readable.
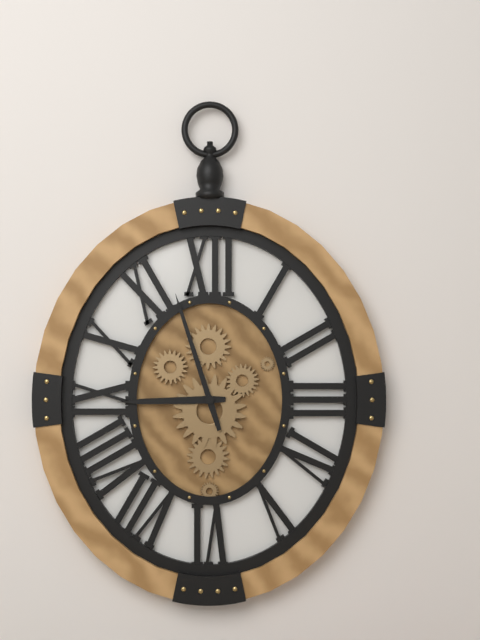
**8:57**
